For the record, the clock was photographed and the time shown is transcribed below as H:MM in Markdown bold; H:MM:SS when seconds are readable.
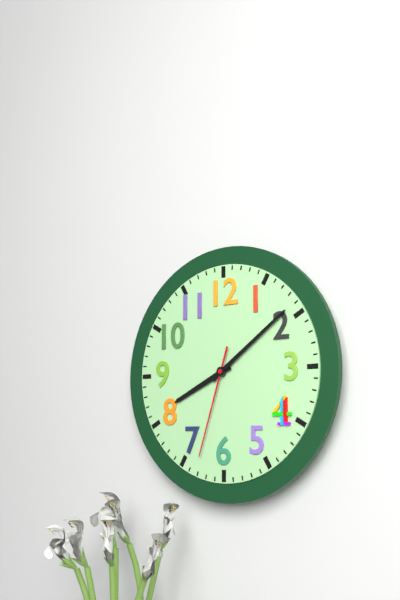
**8:09:33**
